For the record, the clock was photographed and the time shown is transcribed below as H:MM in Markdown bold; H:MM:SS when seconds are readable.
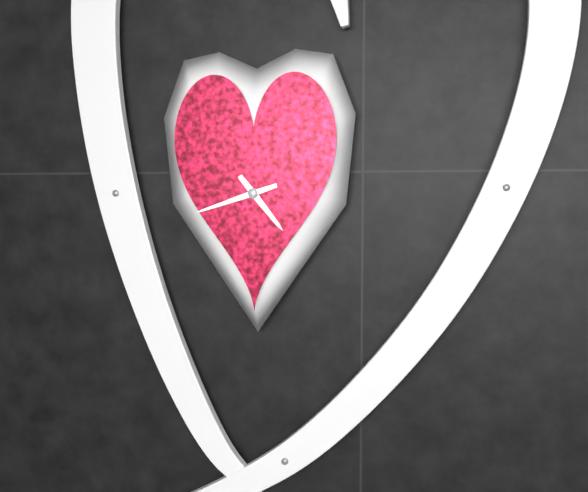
**4:42**
